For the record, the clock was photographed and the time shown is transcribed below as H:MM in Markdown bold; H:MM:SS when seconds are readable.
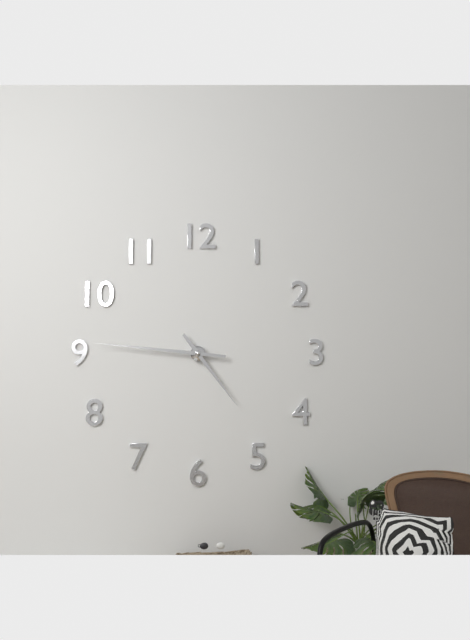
**4:46**
